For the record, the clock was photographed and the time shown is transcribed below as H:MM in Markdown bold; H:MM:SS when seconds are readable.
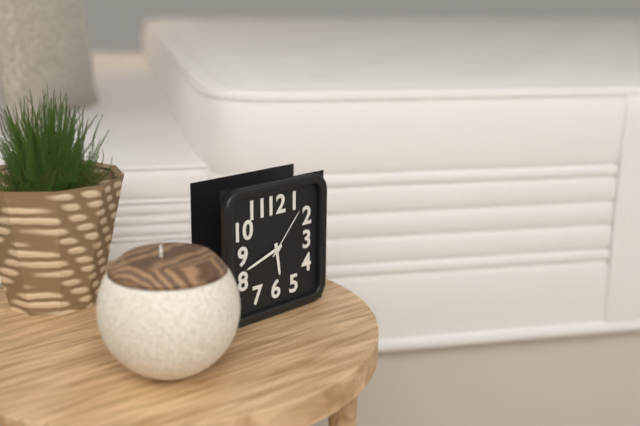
**5:42:07**
